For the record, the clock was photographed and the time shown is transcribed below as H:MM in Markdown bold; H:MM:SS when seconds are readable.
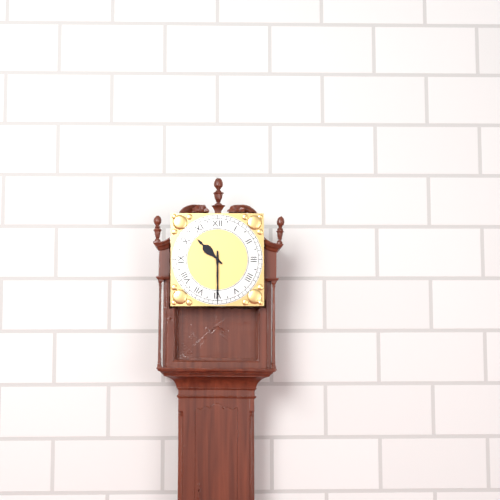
**10:30**
